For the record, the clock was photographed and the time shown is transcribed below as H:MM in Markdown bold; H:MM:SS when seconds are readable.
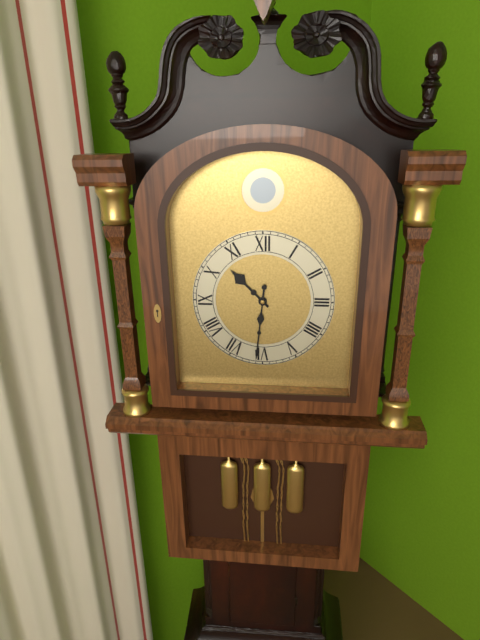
**10:31**
